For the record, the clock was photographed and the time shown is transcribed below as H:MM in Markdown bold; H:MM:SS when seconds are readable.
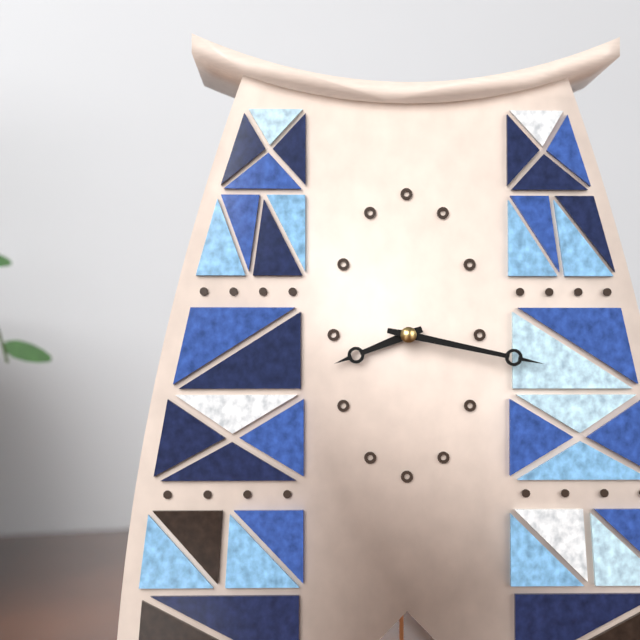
**8:17**
